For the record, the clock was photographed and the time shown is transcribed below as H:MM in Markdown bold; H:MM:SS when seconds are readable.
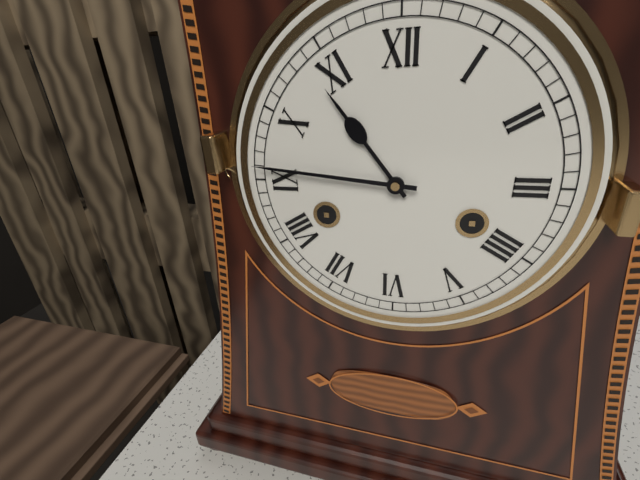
**10:46**
